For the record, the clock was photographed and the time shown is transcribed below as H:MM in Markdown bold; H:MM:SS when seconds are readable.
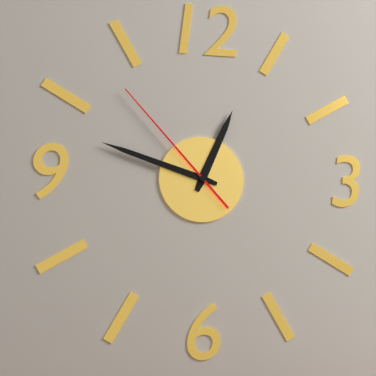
**12:48:53**
